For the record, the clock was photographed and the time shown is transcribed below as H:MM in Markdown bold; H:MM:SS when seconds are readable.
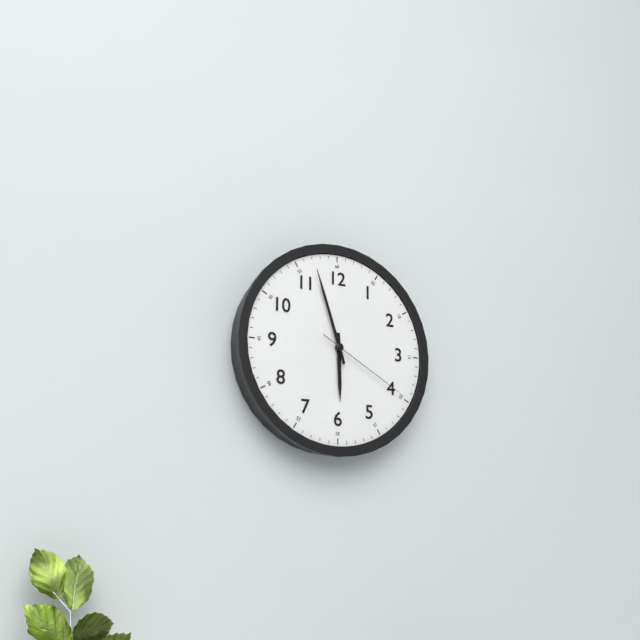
**5:57:20**
